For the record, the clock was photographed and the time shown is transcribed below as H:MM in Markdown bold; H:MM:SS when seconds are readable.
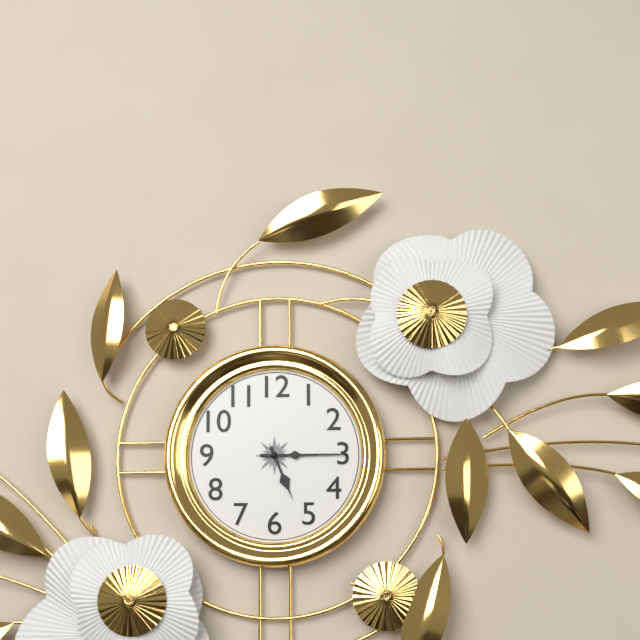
**5:15**
